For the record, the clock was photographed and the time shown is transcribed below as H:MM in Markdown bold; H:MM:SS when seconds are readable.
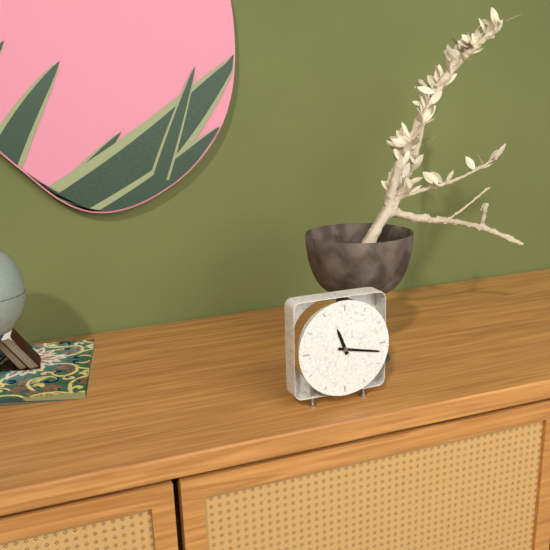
**11:17**
